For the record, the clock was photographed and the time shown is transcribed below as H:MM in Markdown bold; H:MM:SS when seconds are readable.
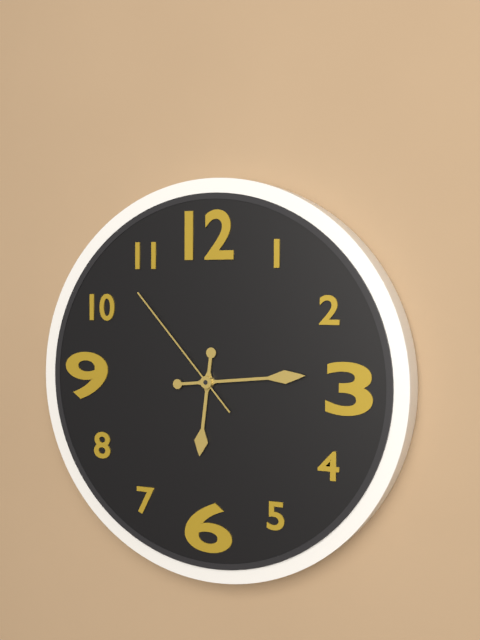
**6:14:53**
